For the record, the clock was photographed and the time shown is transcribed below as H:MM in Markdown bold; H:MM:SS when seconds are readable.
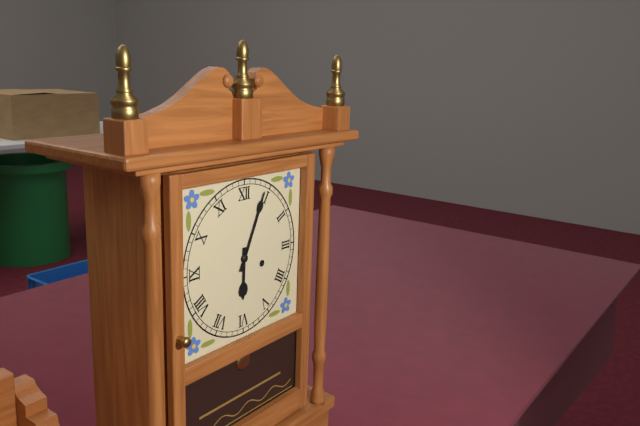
**6:04**
